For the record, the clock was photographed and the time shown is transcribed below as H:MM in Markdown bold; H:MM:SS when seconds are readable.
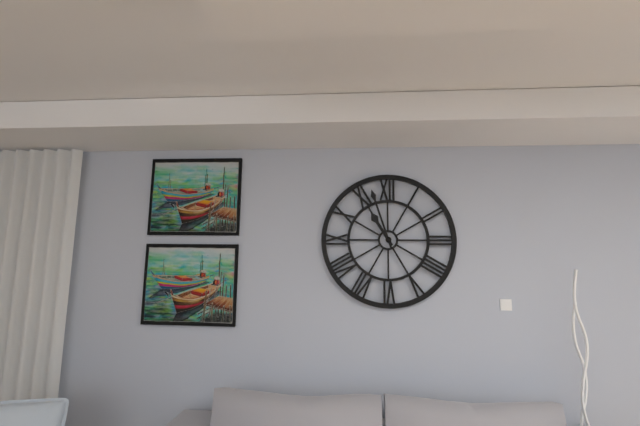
**10:57**
